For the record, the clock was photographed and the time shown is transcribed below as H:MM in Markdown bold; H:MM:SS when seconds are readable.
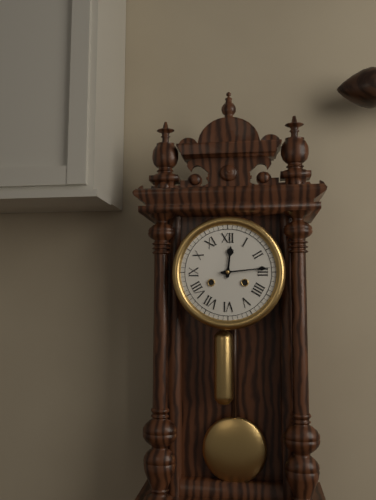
**12:14**
